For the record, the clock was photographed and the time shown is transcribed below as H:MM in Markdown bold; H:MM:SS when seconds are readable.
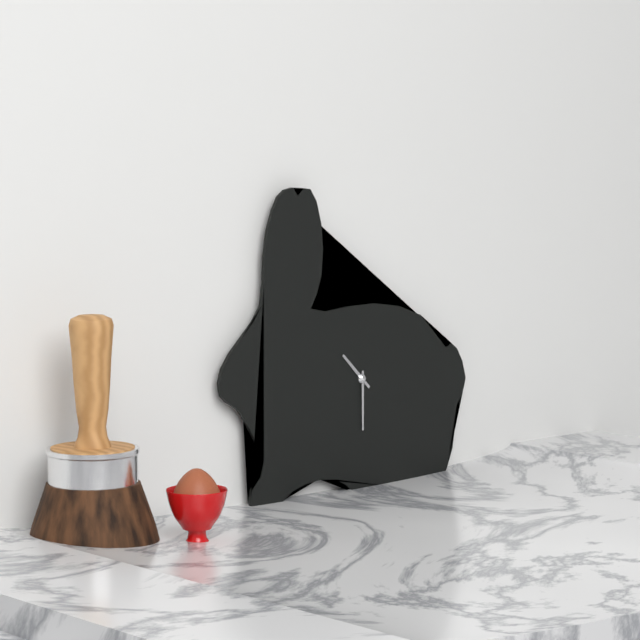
**10:30**
